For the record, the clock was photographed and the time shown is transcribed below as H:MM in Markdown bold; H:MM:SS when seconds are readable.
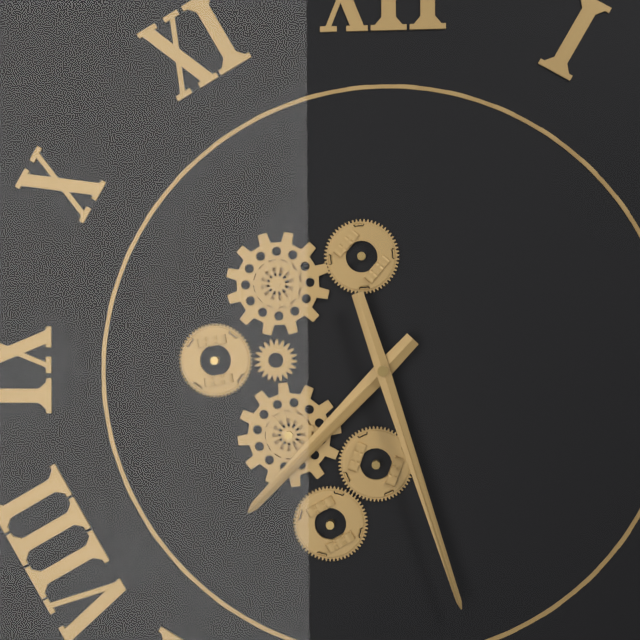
**7:27**
